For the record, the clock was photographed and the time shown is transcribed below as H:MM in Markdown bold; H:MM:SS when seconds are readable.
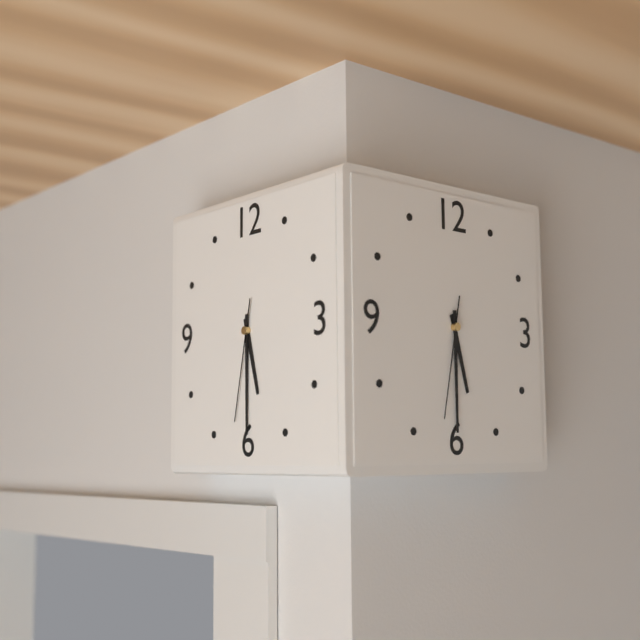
**5:30:32**
